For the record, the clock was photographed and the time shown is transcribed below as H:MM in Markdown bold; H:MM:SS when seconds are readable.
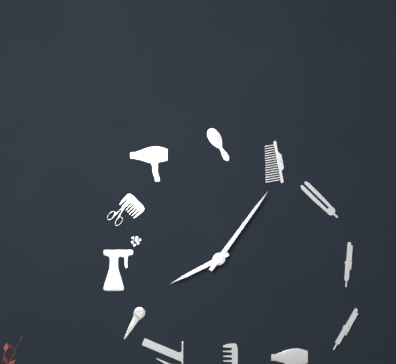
**8:06**
